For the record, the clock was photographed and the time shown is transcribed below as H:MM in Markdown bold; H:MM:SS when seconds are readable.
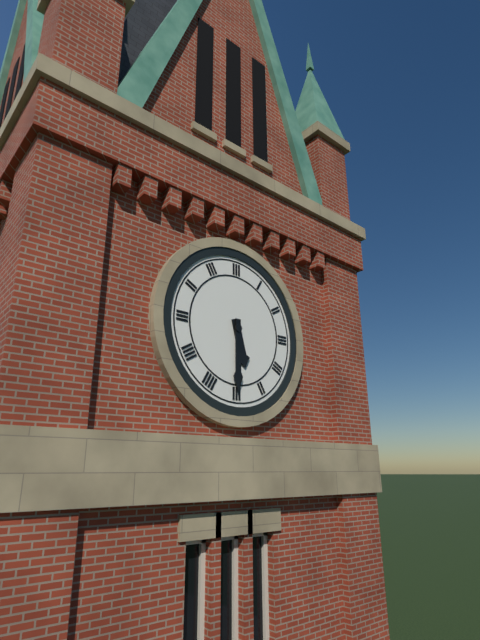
**5:30**
